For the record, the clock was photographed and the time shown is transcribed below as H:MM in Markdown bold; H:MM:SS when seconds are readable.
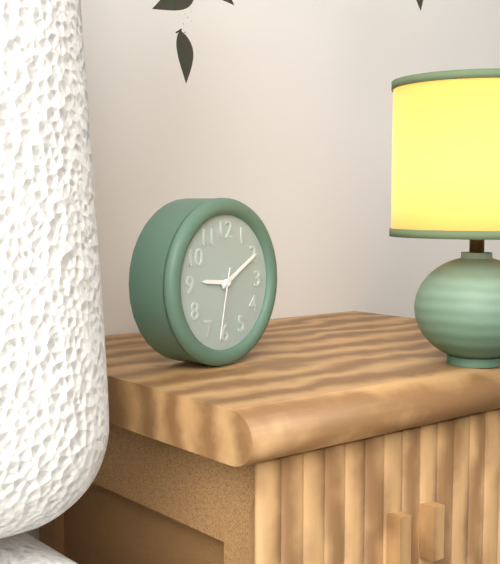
**9:10:32**
